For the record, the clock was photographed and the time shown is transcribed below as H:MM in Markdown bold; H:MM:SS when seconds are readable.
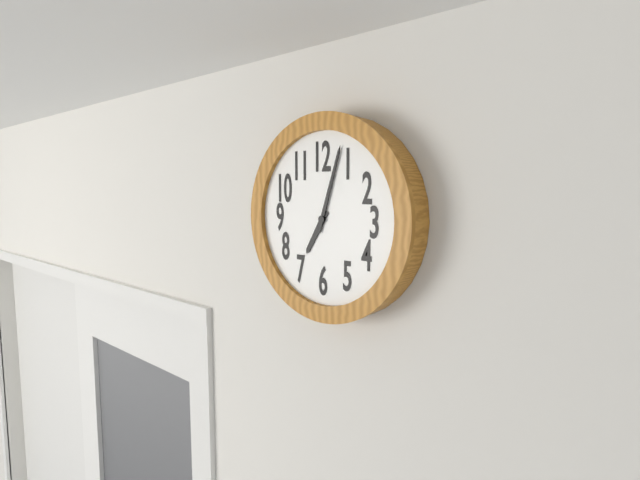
**7:03**
